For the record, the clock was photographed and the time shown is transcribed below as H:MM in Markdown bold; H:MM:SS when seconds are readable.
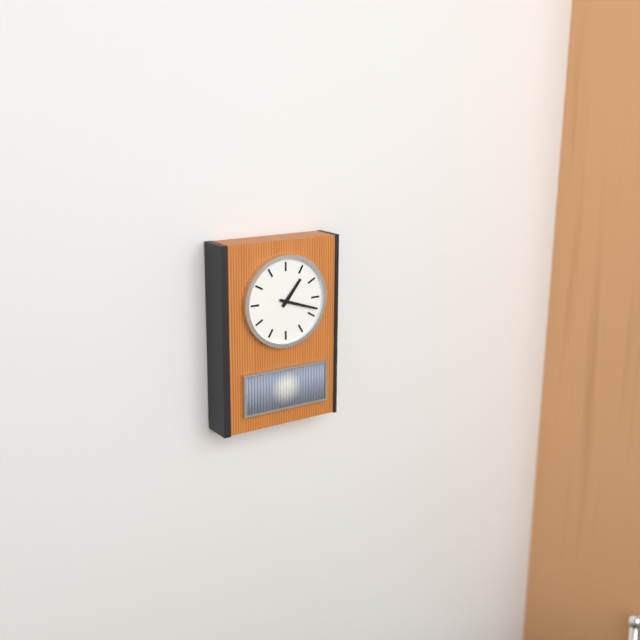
**1:18**
